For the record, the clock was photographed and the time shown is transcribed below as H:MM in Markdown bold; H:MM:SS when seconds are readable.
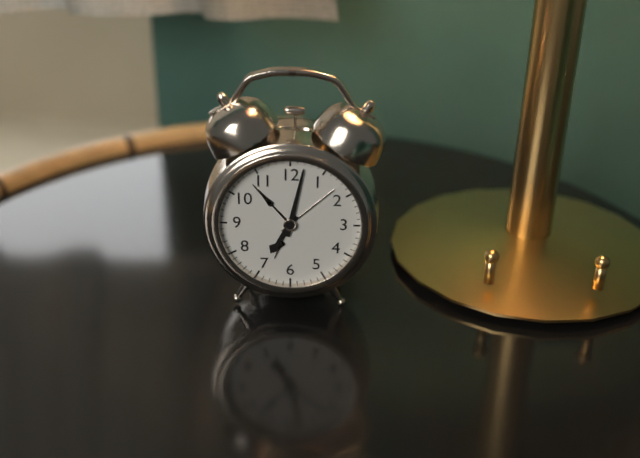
**7:02**
